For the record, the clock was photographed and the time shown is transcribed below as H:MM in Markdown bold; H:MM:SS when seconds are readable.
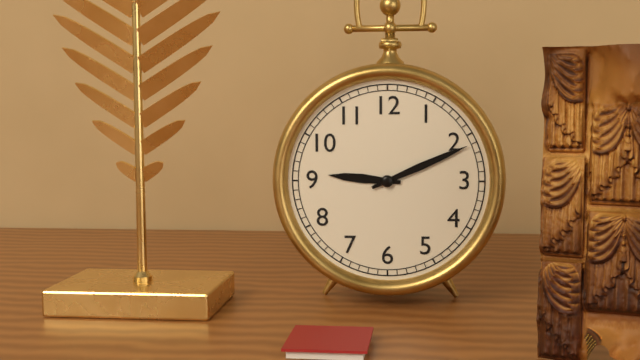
**9:11**
